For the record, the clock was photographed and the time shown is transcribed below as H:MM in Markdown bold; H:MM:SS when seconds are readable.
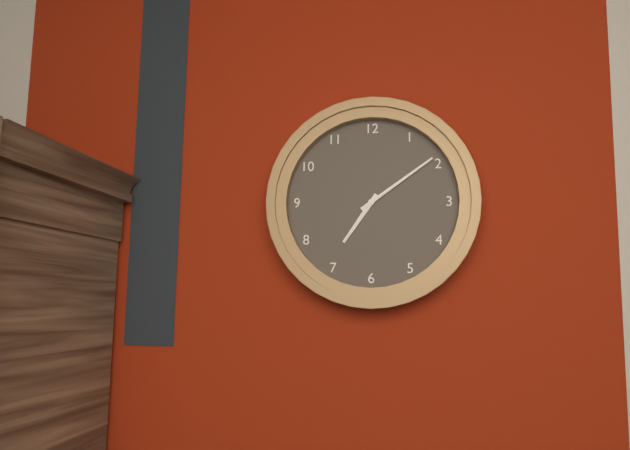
**7:09**
